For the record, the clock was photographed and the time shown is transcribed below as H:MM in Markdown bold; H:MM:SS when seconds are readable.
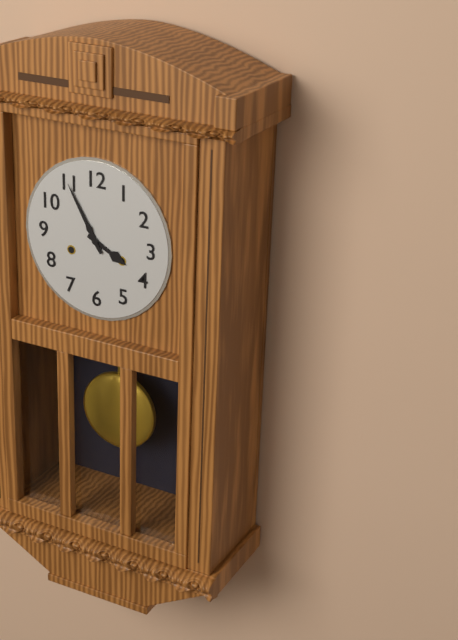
**3:55**
